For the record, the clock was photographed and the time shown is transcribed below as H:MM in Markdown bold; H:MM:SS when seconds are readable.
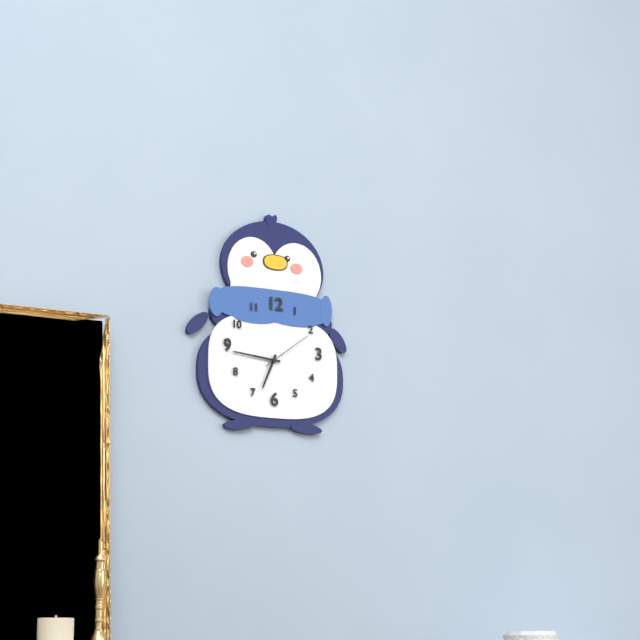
**6:46:09**
